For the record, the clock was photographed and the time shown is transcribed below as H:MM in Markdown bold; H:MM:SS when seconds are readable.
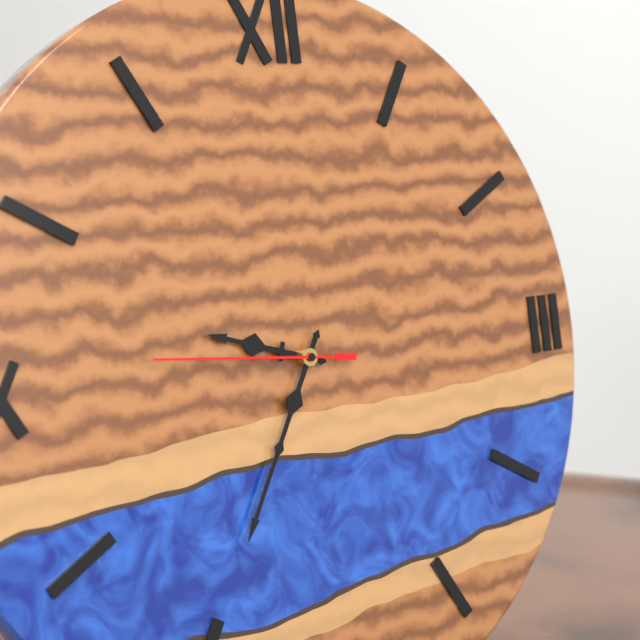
**9:35:46**
